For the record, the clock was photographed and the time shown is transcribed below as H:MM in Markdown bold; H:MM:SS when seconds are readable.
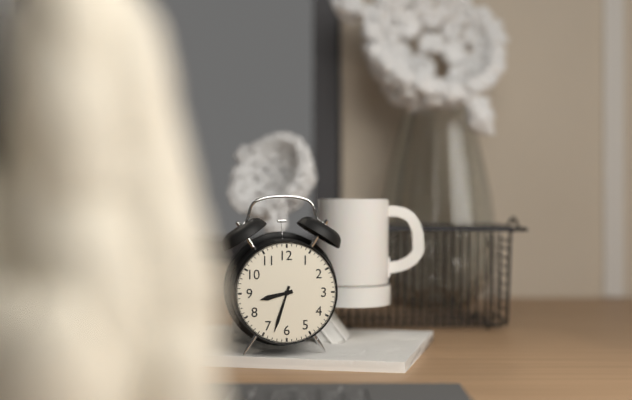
**8:33**
